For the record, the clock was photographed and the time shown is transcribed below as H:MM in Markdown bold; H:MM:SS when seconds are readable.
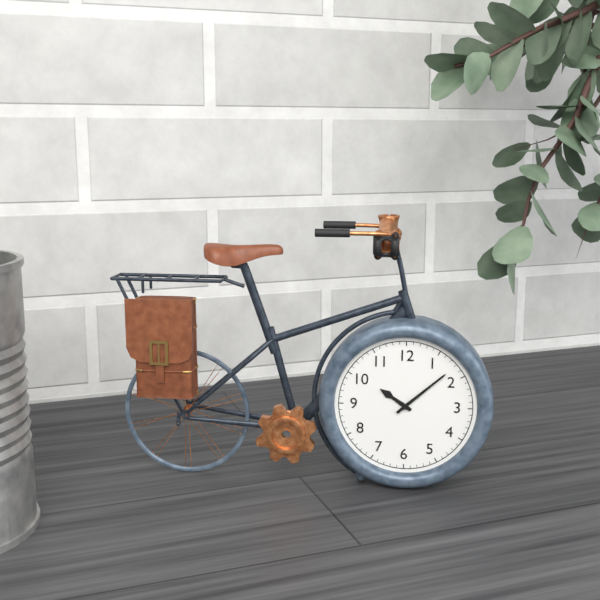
**10:08**
